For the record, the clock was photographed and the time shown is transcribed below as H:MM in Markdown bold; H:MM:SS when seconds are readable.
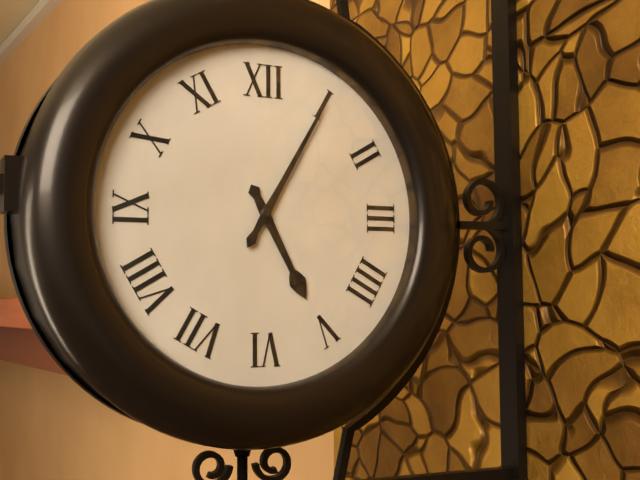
**5:05**
